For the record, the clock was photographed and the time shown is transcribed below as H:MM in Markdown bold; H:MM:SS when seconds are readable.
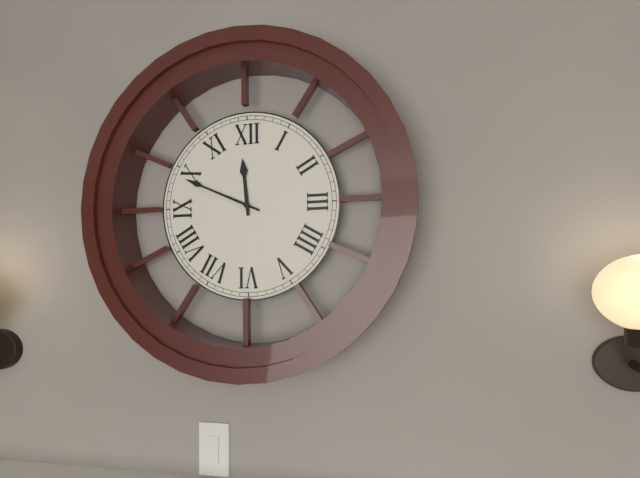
**11:49**
